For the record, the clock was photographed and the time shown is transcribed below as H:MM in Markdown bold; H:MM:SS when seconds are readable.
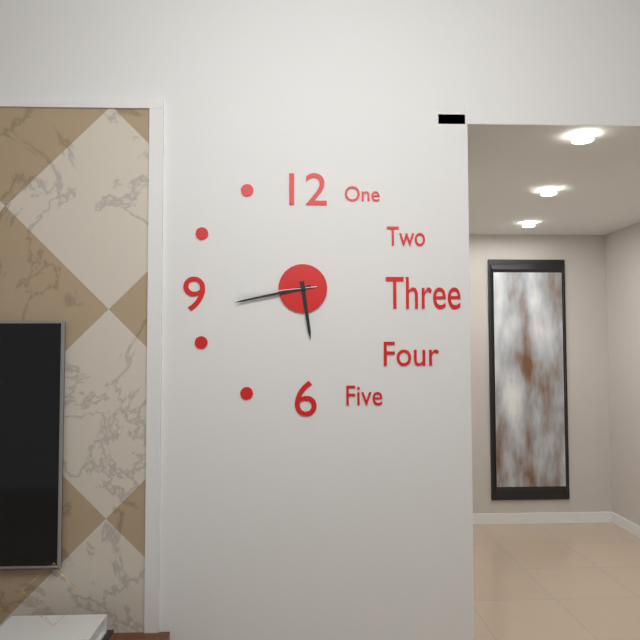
**5:43:44**
